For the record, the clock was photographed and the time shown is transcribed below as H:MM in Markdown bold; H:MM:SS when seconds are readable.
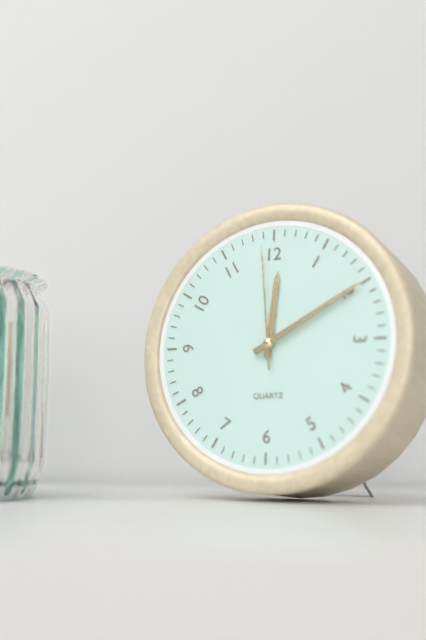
**12:10:59**
